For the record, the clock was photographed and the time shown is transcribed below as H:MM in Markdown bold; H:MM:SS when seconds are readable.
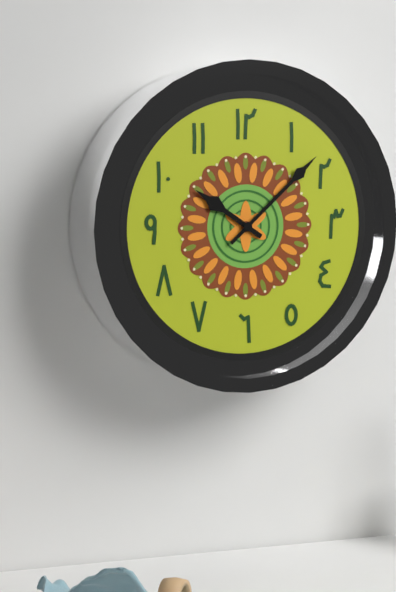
**10:08**
